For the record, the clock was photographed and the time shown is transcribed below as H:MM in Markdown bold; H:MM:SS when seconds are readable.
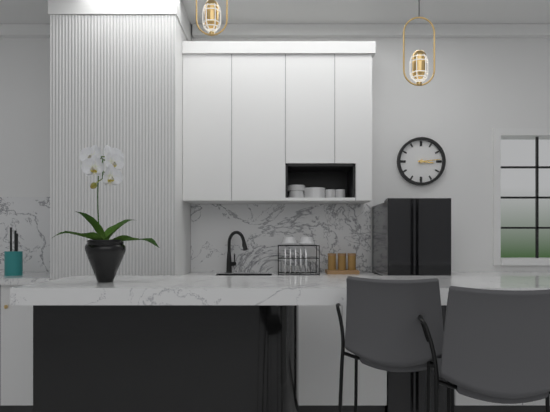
**3:14**
